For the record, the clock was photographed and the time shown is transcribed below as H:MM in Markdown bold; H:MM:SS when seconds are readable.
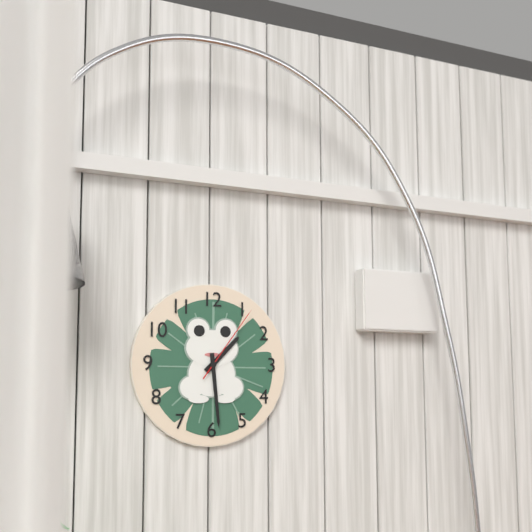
**1:29:06**
